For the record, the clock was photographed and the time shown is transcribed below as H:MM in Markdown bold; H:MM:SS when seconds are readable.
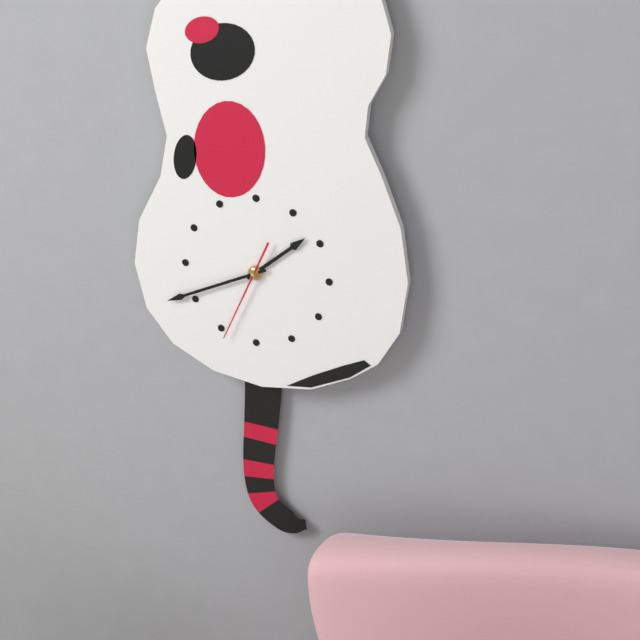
**1:41:34**
